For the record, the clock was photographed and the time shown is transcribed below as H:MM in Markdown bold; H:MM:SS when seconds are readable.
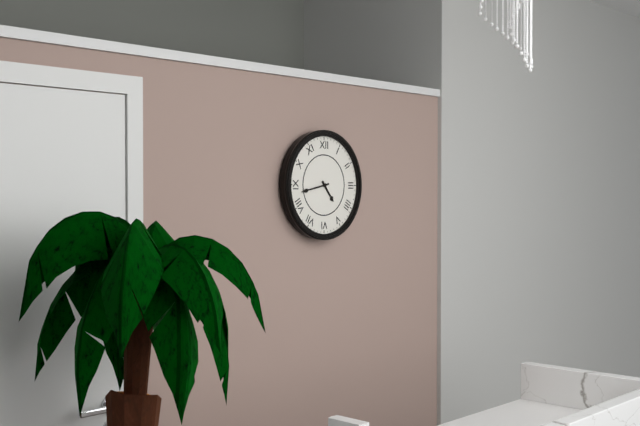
**4:43**
